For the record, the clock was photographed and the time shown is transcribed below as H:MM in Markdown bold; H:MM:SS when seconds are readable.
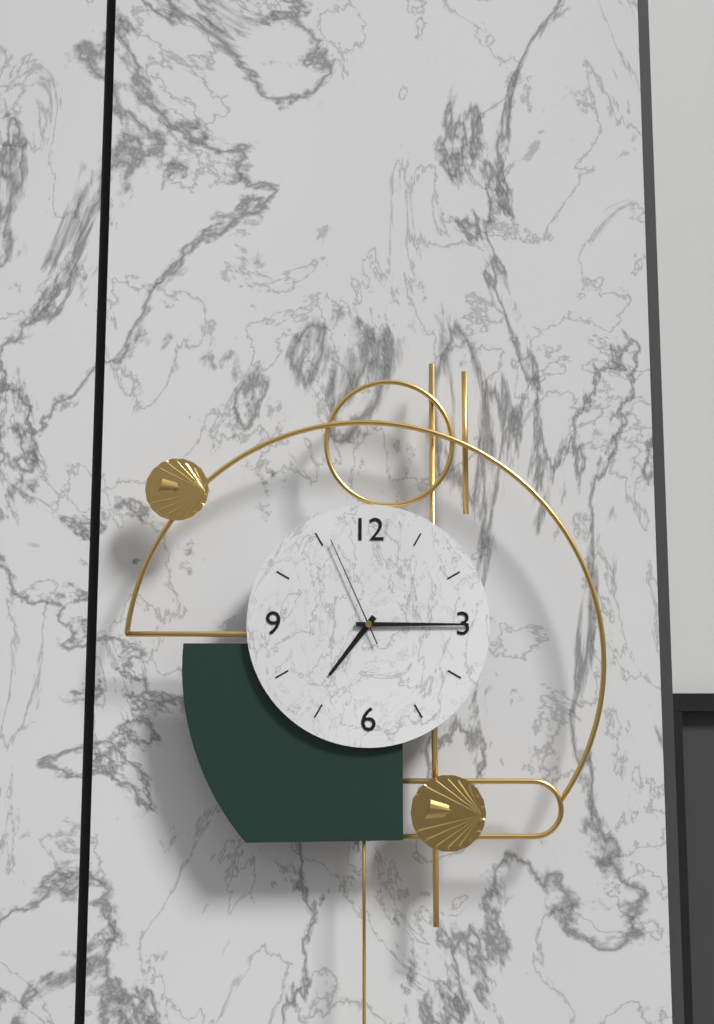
**7:15:56**
